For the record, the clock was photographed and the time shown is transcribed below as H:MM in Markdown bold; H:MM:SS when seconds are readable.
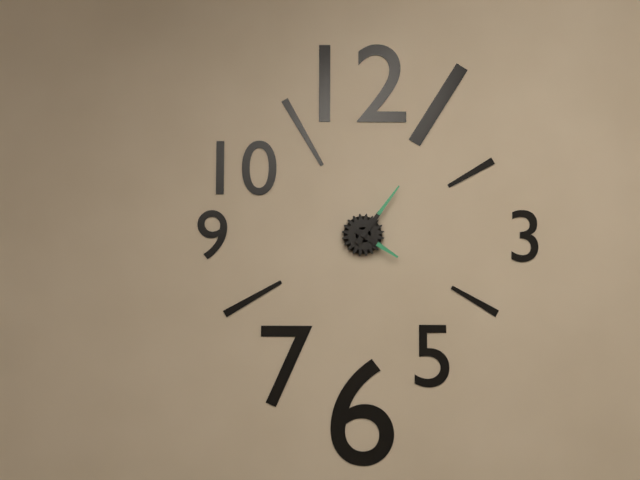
**4:06**
